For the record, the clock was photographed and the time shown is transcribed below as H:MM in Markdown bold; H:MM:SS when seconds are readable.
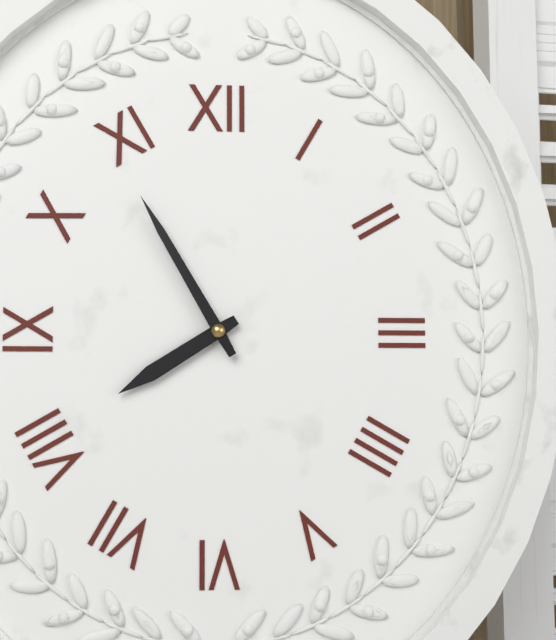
**7:55**
